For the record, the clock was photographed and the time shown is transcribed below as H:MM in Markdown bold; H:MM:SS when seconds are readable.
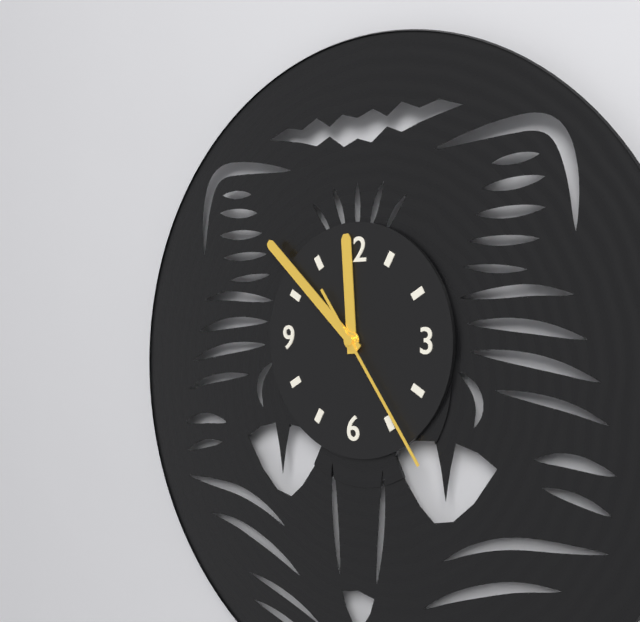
**11:52:24**
